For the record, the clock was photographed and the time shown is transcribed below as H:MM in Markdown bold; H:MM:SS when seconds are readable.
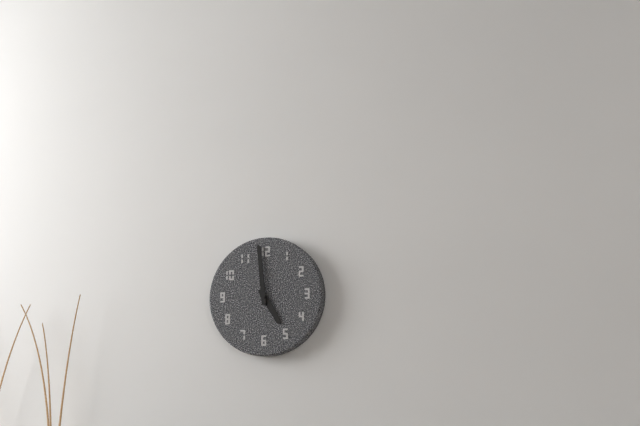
**4:59**
